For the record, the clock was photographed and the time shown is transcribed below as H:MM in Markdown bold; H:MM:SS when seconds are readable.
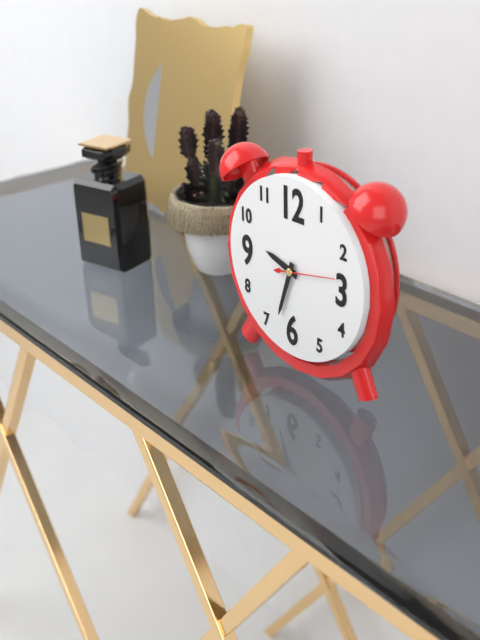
**9:33**
